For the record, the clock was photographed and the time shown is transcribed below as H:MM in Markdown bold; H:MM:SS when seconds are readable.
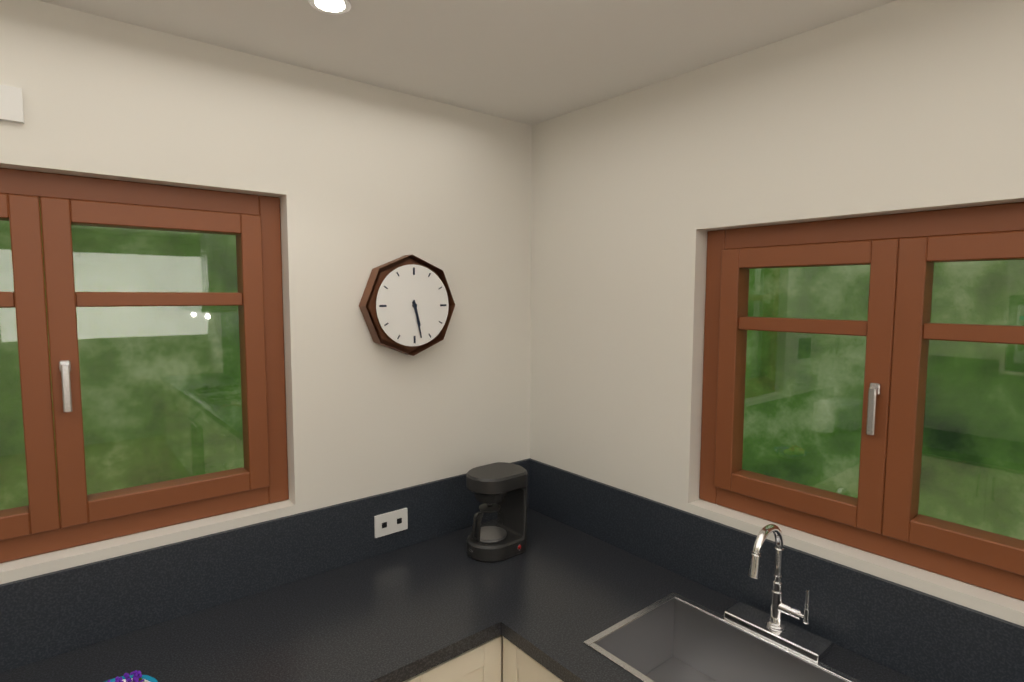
**5:28**
